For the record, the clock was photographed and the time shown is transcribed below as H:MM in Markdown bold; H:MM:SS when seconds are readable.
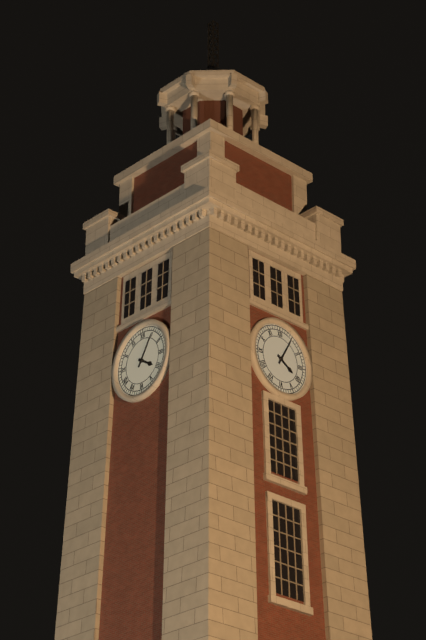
**4:05**
